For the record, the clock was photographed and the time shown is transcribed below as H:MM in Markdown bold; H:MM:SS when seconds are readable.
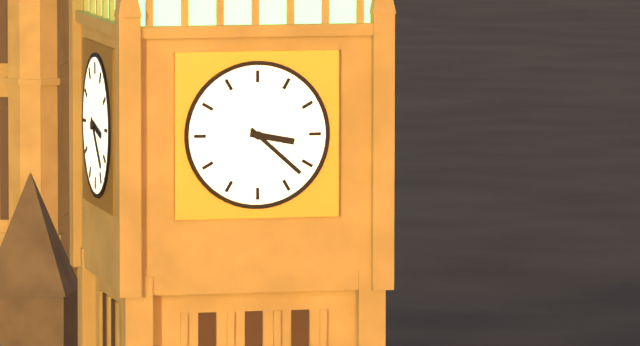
**3:22**
